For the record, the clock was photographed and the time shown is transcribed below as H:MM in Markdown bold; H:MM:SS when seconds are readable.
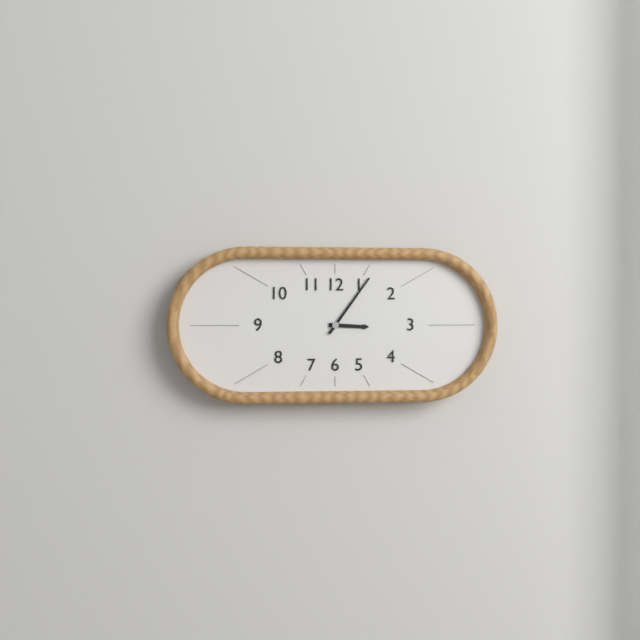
**3:06**
